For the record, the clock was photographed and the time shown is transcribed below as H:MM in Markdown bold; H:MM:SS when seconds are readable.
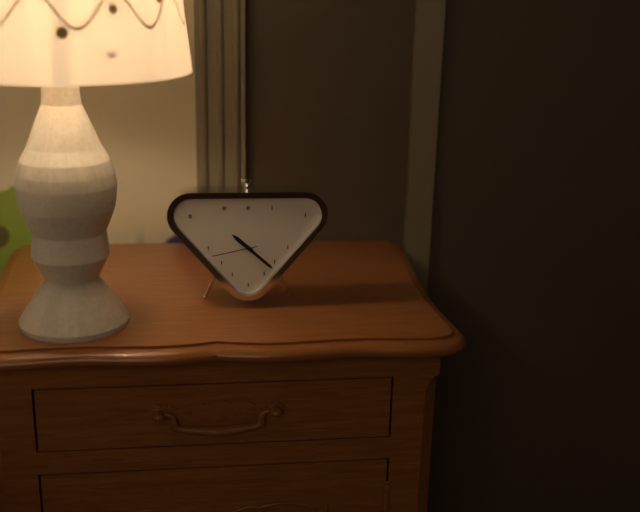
**10:22**
